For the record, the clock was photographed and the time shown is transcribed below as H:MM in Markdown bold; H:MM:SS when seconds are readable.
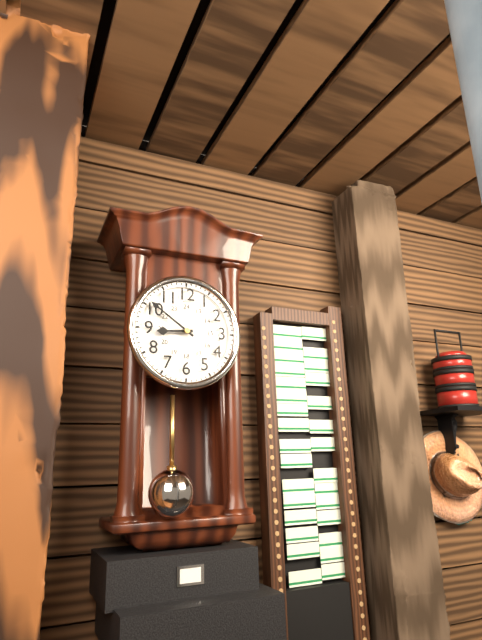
**8:51**
